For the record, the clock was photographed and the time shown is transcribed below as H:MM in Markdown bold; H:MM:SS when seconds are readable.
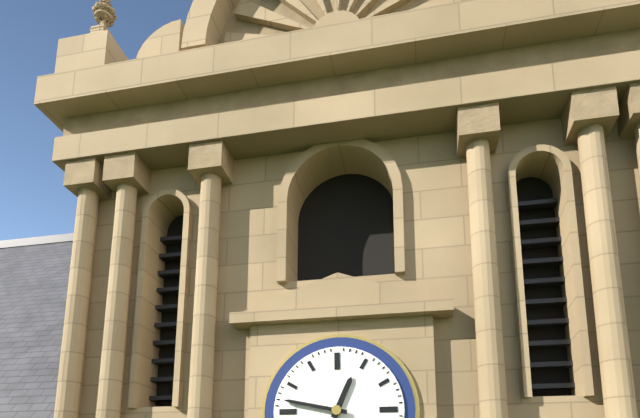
**12:47**
